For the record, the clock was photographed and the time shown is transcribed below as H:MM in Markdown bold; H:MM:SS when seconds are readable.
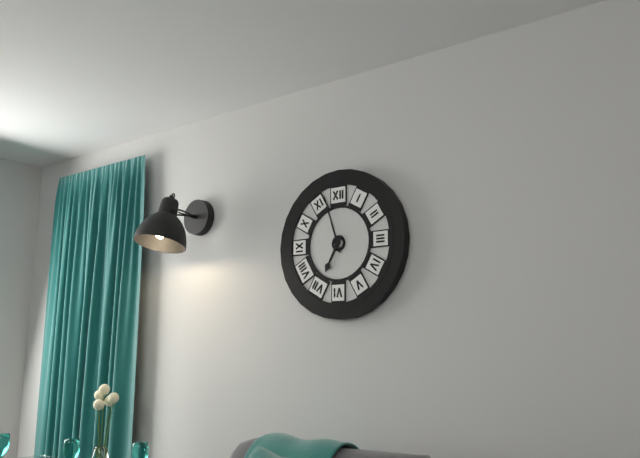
**6:57**
